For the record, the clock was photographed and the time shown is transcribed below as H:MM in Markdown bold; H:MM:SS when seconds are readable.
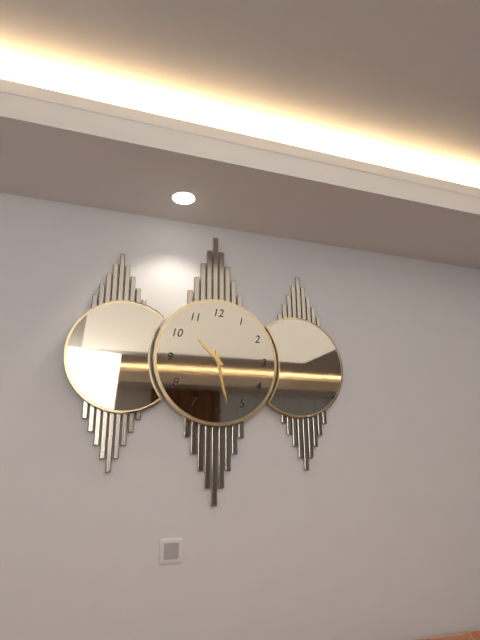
**10:28**
